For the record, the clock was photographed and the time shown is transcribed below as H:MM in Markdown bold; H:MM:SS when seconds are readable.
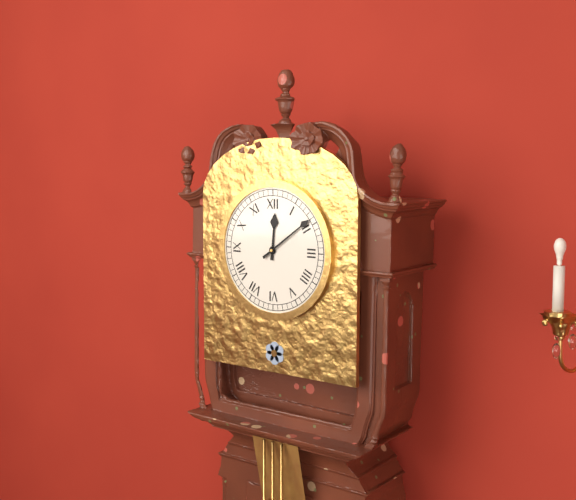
**12:09**
